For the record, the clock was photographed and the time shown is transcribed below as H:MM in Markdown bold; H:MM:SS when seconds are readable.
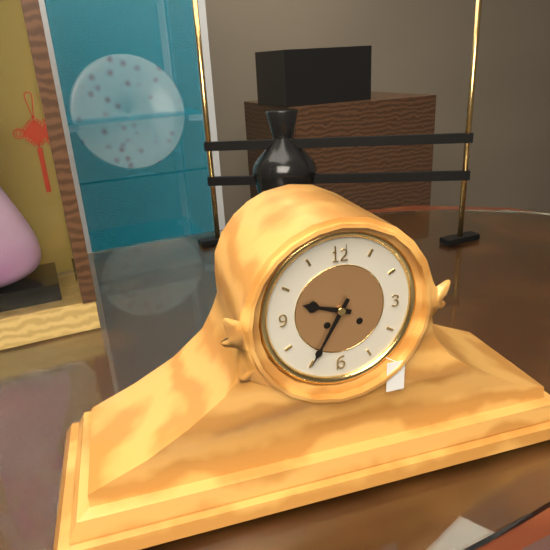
**9:35**
